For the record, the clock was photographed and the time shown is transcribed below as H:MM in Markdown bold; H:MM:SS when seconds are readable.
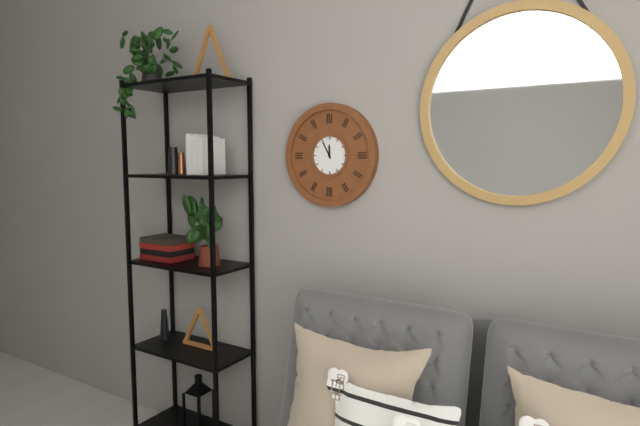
**11:55**
